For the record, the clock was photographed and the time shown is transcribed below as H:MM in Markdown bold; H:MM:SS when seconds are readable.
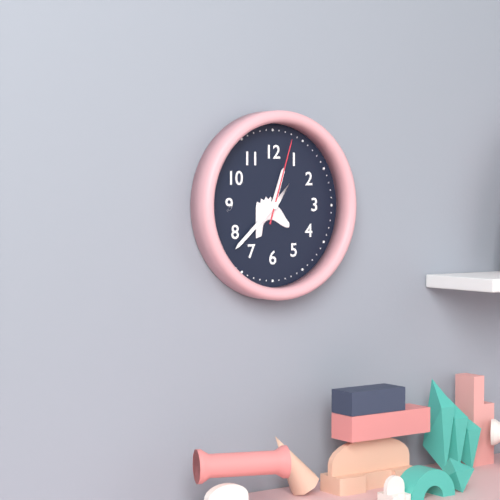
**12:38:03**
